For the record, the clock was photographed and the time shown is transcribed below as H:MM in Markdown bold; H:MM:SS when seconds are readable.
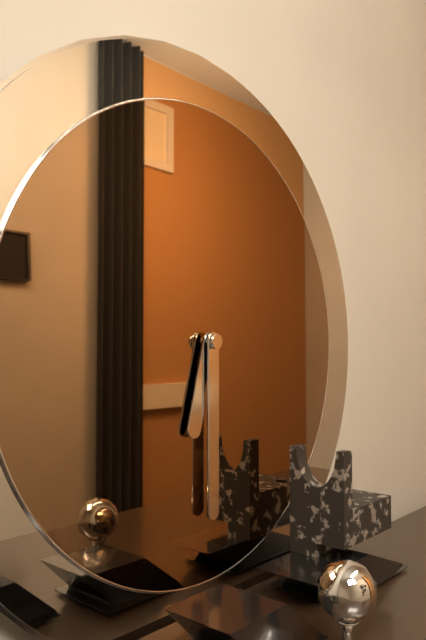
**6:30**
